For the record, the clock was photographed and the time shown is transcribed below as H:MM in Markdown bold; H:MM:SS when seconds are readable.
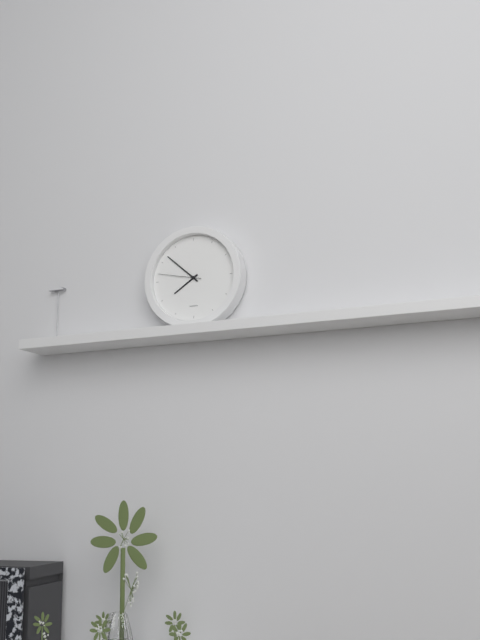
**7:52**
